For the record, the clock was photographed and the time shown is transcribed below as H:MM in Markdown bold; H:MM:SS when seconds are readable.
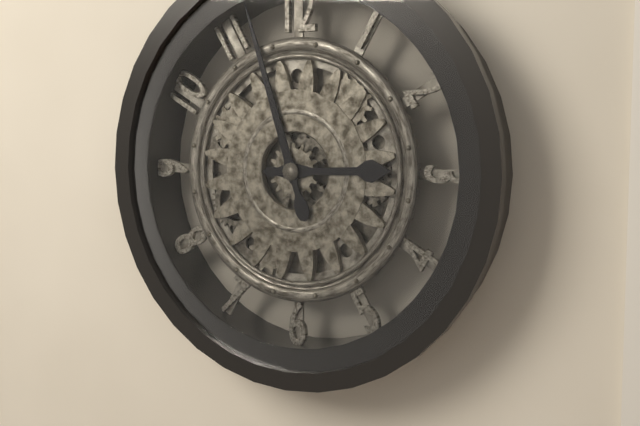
**2:57**
